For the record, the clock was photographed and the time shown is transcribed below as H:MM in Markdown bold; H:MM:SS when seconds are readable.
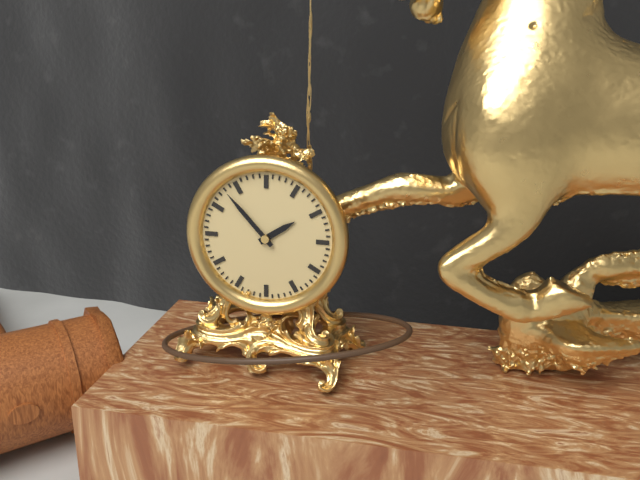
**1:53**
